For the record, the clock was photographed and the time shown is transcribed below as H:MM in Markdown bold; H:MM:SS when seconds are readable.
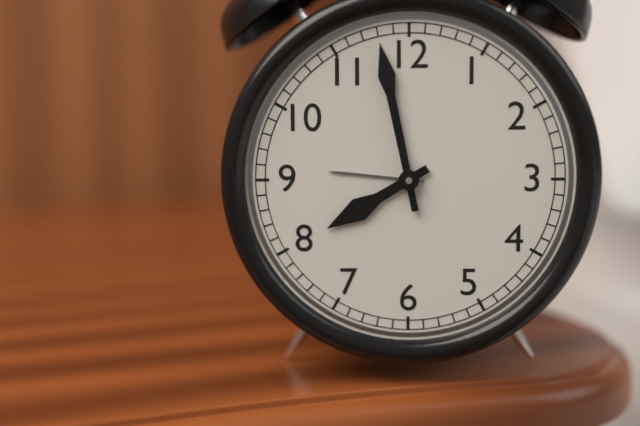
**7:58**
